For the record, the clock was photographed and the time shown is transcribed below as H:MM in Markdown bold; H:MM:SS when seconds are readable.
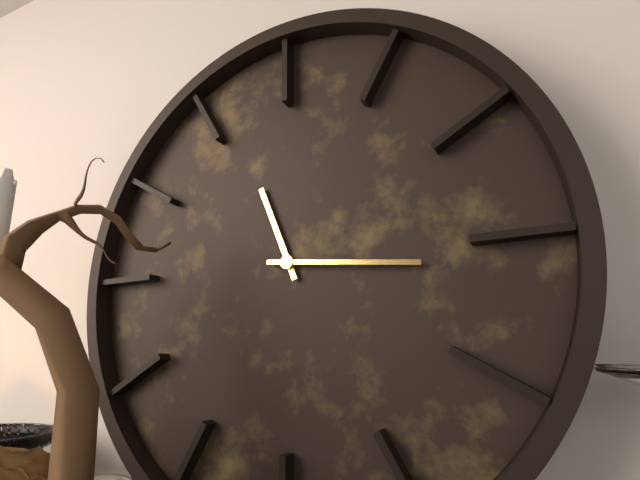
**11:16**
